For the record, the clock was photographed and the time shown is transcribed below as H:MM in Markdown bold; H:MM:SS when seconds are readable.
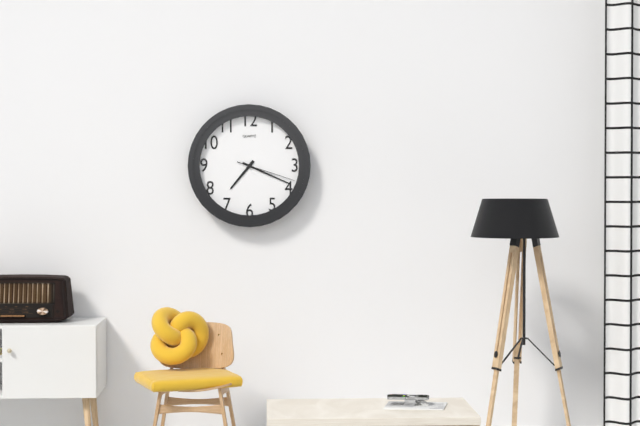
**7:19:18**
